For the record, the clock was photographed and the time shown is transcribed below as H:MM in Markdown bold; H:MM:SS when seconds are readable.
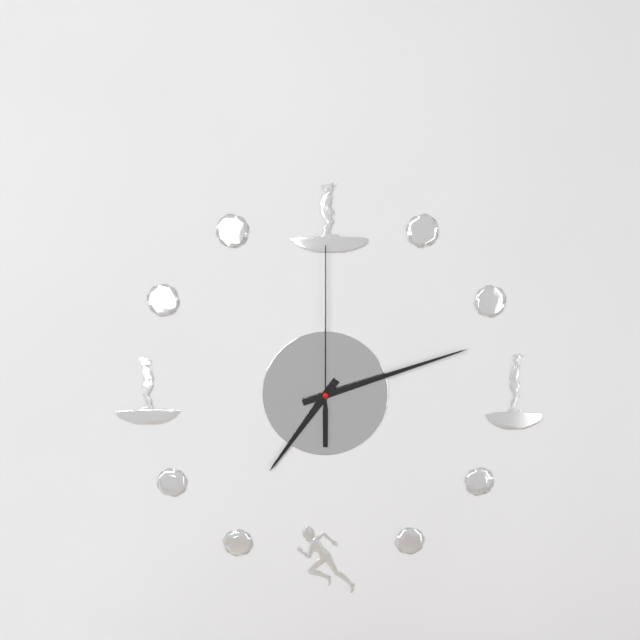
**7:12:00**
